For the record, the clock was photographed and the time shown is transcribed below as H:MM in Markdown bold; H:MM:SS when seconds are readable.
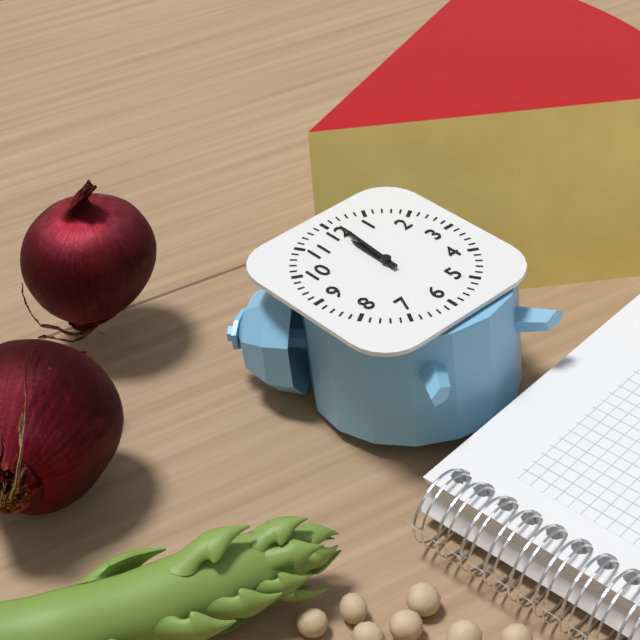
**12:01**
